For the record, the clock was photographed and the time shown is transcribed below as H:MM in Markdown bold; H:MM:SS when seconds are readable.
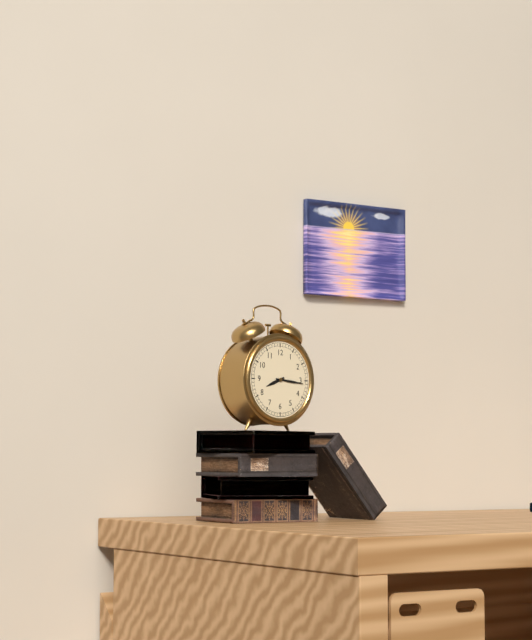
**8:16**
